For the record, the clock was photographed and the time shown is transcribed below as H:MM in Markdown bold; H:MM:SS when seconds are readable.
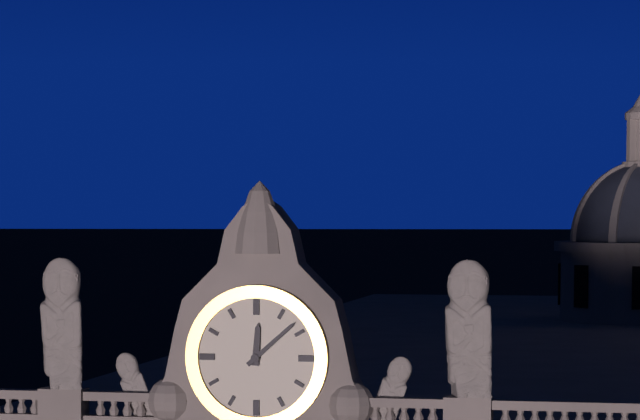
**12:08**
